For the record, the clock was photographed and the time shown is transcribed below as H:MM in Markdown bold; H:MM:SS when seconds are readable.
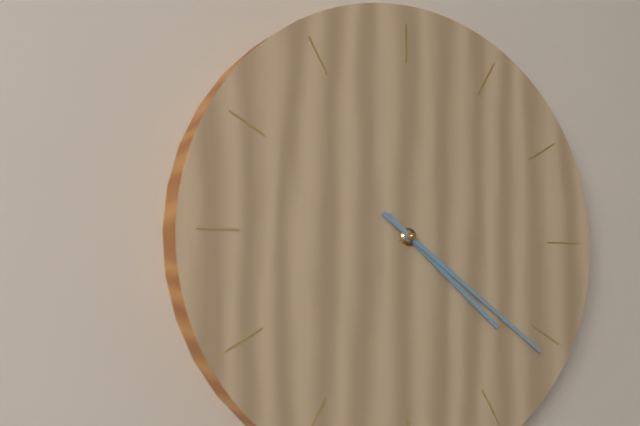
**4:21**
